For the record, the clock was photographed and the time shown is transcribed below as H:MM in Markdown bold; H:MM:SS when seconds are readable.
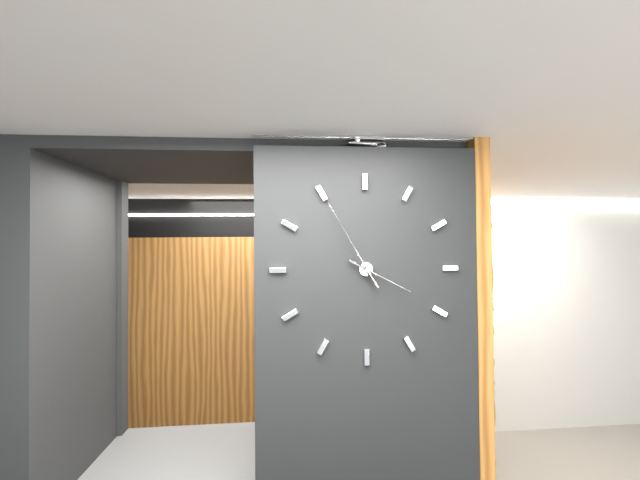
**3:55**
